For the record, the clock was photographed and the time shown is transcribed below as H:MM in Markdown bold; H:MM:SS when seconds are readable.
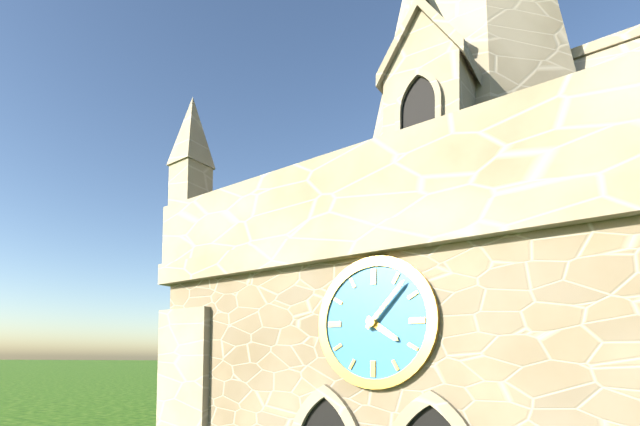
**4:07**
